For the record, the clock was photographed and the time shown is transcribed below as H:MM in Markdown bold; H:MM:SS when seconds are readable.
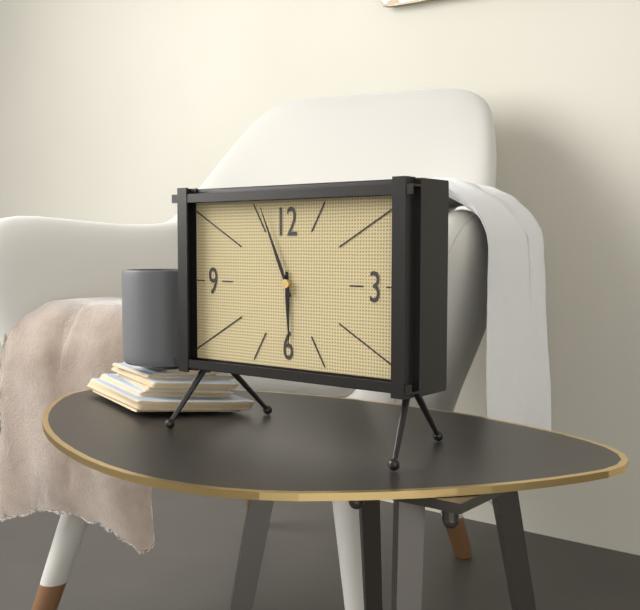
**5:56**
